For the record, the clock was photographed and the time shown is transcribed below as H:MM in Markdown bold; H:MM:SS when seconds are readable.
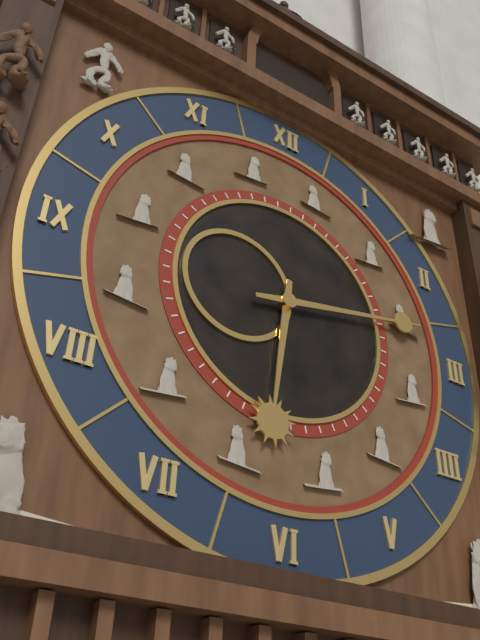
**6:13**
